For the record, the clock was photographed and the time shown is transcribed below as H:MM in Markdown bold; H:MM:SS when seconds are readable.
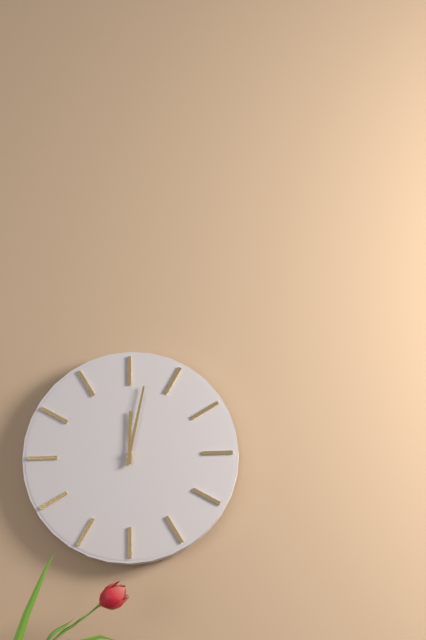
**12:02**
